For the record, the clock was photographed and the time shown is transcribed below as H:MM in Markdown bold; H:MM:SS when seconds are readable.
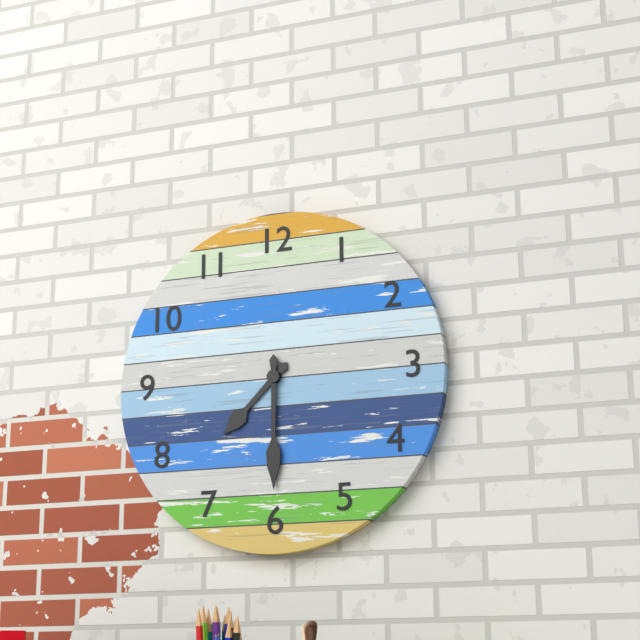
**7:30**
